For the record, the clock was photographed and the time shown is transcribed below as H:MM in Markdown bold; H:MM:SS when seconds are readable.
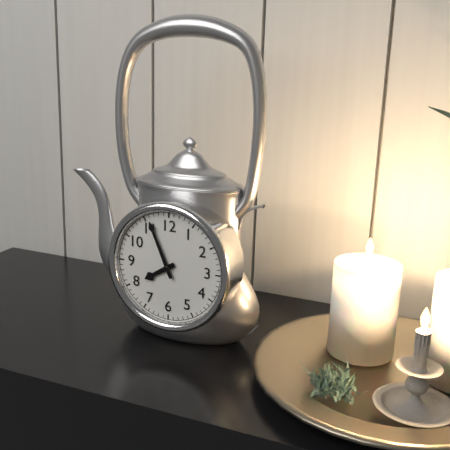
**7:56**
